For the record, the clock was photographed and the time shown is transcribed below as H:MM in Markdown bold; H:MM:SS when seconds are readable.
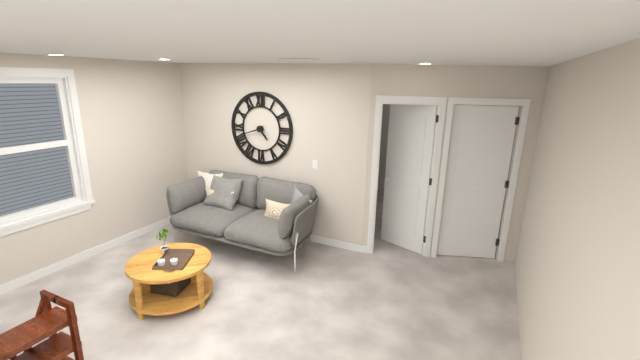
**4:42**
